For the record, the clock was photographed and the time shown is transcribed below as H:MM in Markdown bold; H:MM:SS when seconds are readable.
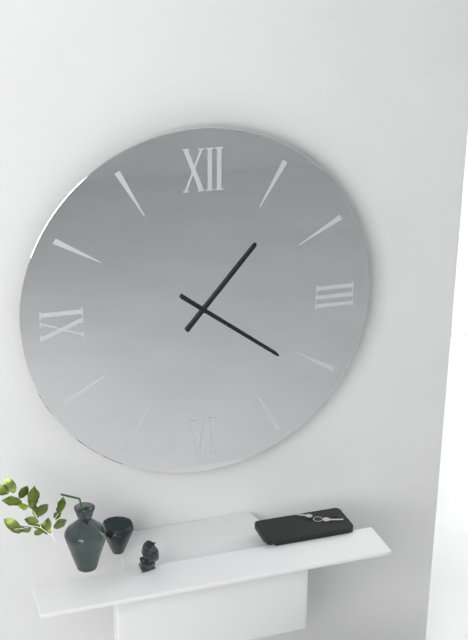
**1:21**
